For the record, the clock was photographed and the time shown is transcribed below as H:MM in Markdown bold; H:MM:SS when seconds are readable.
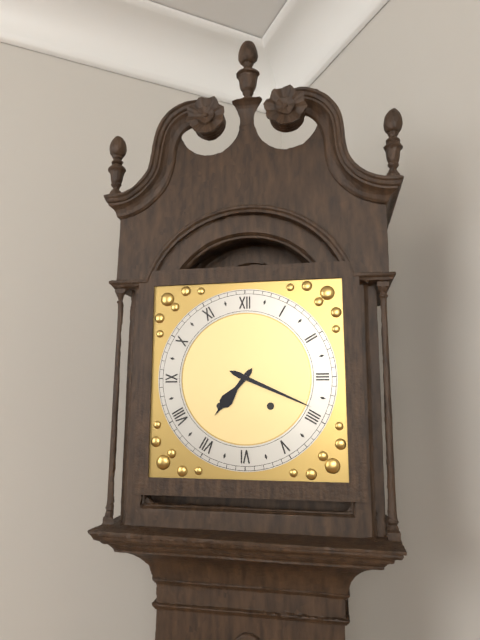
**7:19**
